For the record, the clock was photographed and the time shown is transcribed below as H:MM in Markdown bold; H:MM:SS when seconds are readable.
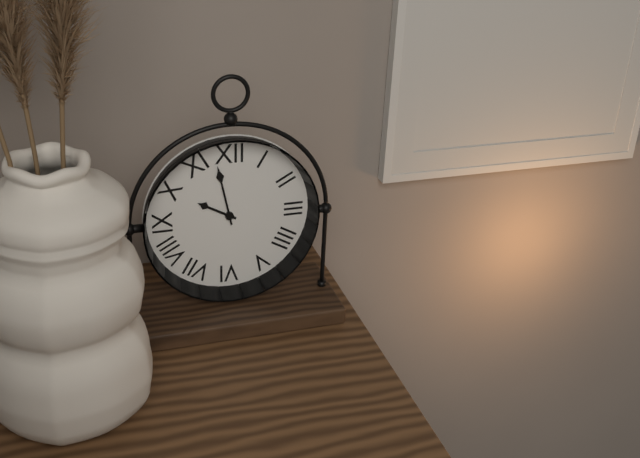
**9:58**
